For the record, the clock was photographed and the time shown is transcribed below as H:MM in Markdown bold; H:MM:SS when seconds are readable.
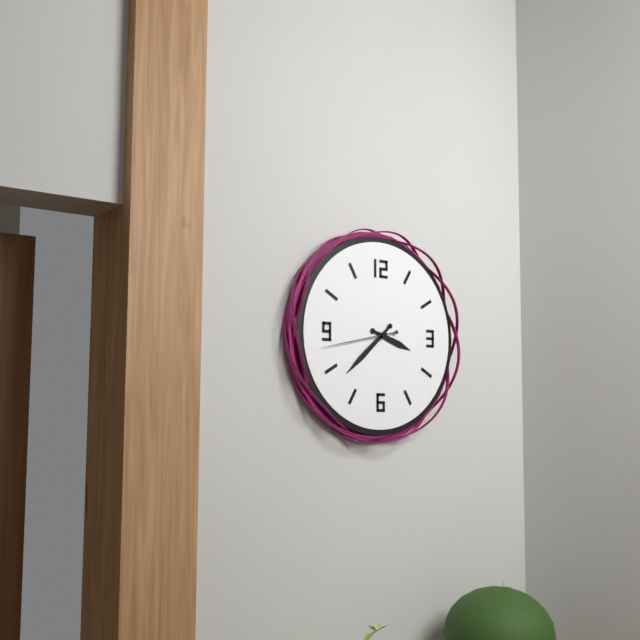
**3:38:43**
